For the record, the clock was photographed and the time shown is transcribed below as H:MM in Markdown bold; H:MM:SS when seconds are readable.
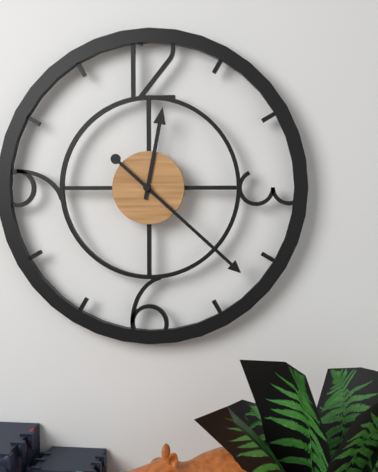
**12:22**
